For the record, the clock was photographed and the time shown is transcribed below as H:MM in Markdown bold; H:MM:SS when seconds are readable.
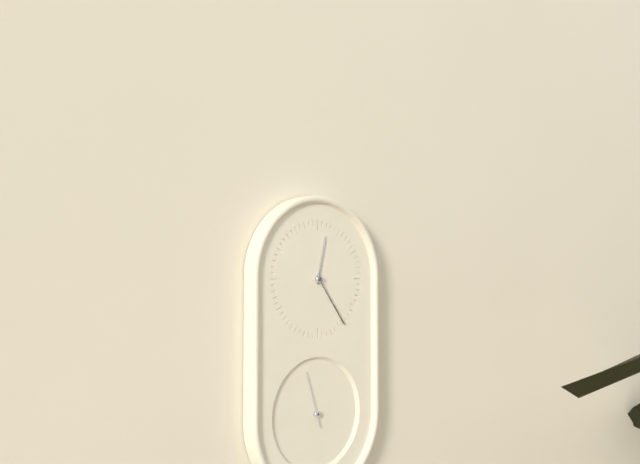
**12:24:57**
